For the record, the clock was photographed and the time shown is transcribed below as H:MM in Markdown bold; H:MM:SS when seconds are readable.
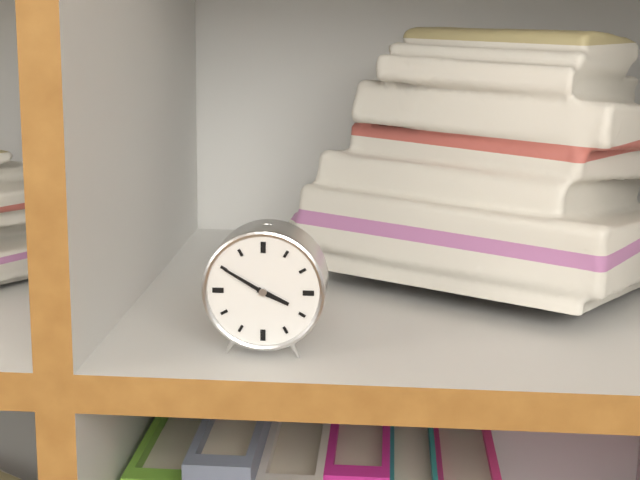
**3:50**
